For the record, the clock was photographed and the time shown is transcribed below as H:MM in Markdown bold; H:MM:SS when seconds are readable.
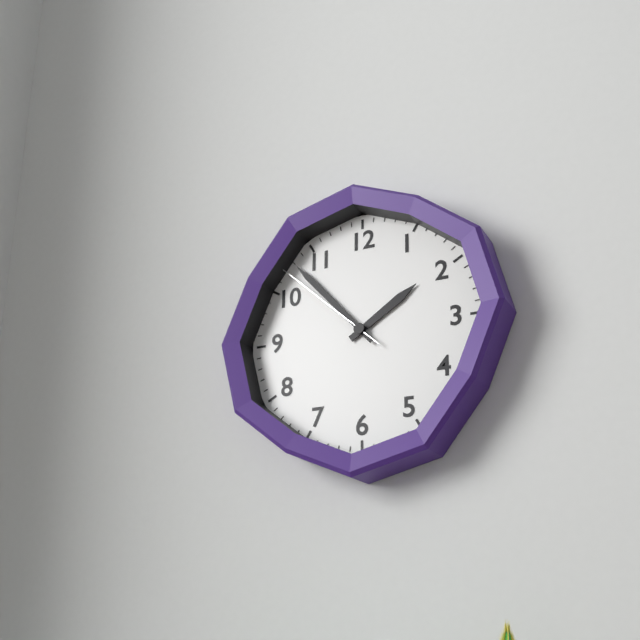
**1:53:52**
